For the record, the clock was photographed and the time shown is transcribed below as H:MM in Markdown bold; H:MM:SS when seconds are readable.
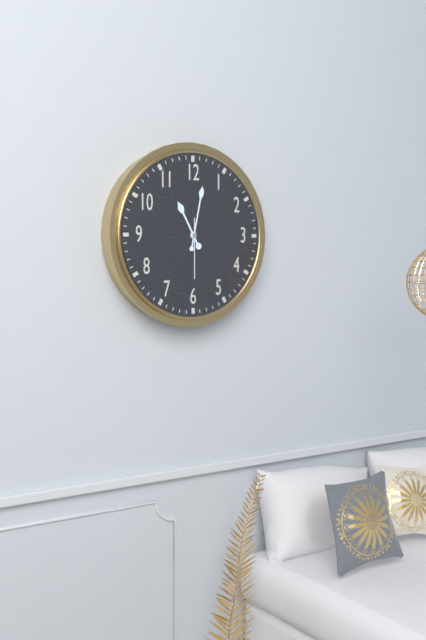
**11:02:30**
